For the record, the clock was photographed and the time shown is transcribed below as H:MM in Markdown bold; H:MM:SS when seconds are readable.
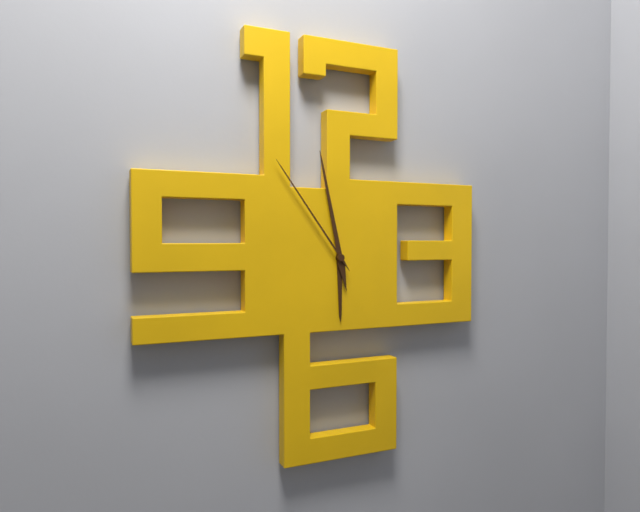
**5:58:54**
